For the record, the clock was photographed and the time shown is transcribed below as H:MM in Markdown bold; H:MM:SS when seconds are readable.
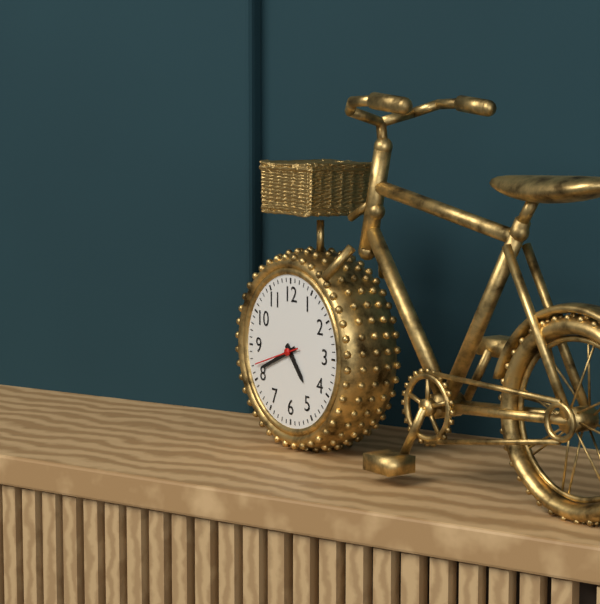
**4:41**
